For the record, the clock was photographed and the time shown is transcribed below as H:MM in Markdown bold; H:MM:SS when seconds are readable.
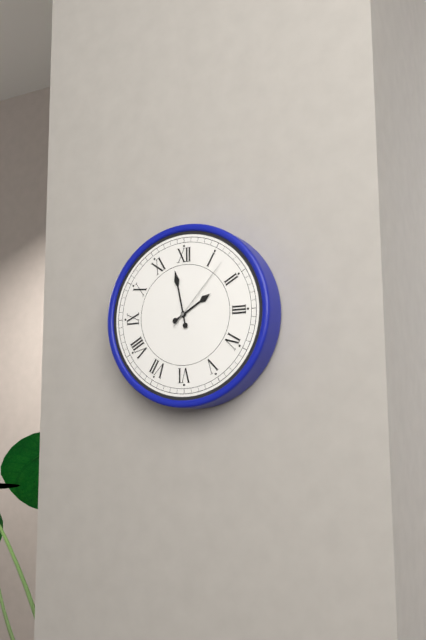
**1:58:07**
